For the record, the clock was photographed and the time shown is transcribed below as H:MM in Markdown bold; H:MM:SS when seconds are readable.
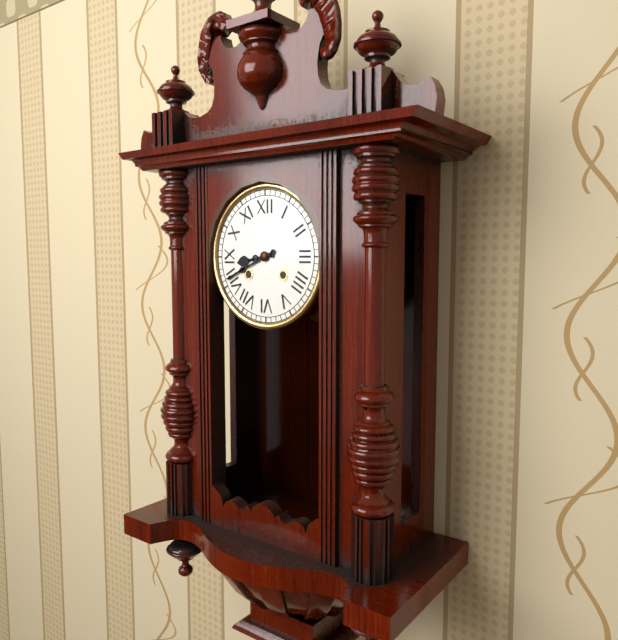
**8:41**
